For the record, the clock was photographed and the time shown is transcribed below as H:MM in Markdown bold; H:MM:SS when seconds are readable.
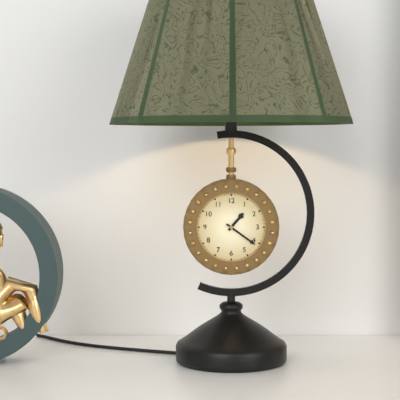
**1:21**
